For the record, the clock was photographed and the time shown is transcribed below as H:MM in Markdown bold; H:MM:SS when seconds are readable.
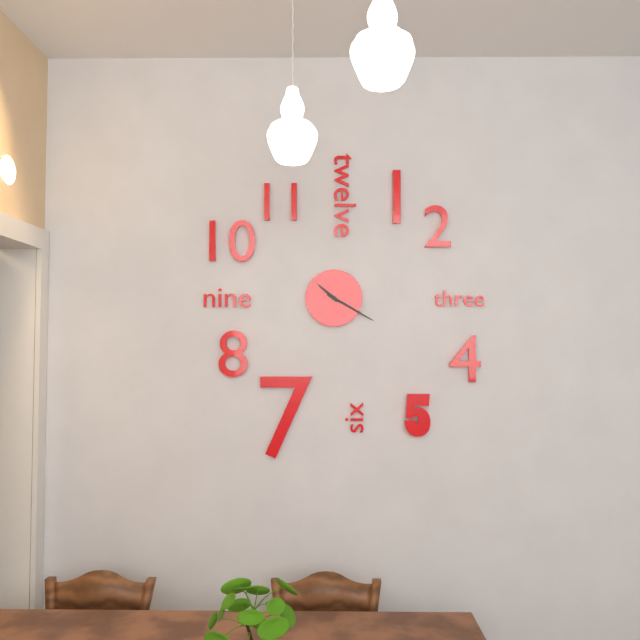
**10:20**
